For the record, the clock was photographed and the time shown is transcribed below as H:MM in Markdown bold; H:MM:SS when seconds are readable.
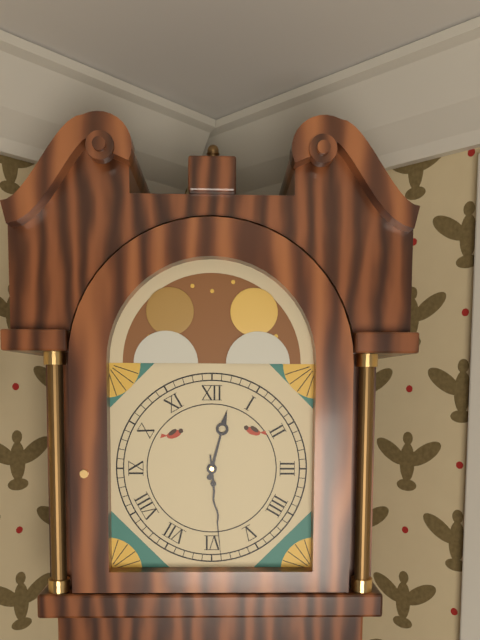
**12:29**
